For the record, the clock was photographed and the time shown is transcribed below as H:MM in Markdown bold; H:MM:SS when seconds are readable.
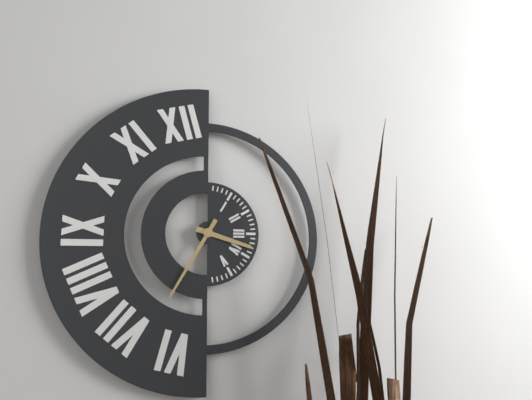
**3:35**
